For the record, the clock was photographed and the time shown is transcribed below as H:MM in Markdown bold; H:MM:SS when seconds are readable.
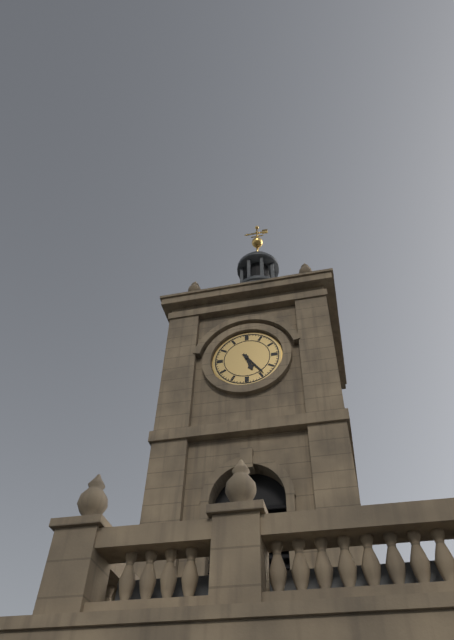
**5:24**
